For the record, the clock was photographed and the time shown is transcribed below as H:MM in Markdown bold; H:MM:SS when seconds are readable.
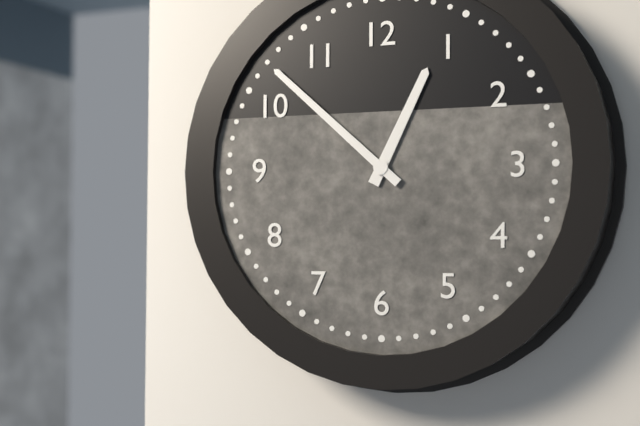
**12:52**
